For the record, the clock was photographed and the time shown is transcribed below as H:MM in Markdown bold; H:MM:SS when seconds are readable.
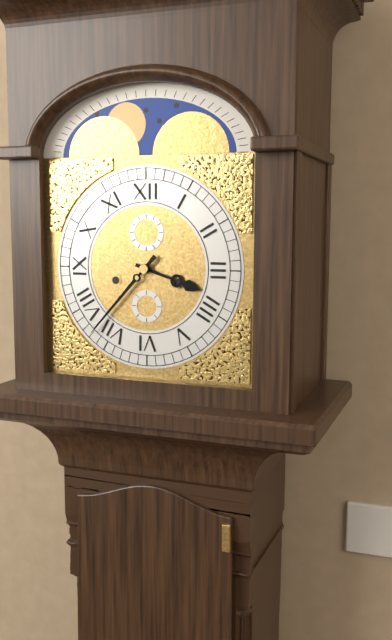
**3:37**
